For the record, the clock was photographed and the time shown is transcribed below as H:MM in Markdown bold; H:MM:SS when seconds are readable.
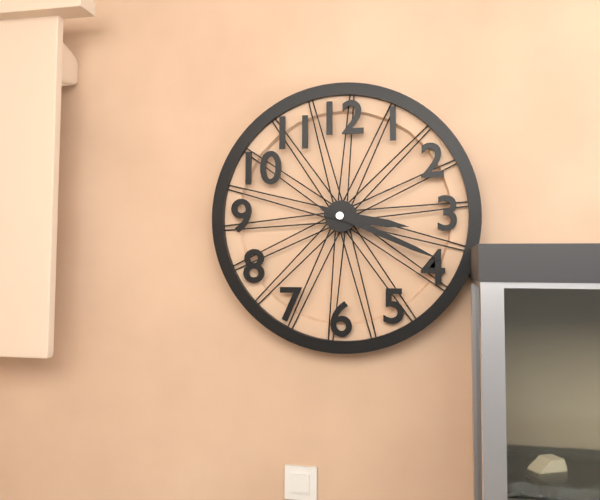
**3:19**
